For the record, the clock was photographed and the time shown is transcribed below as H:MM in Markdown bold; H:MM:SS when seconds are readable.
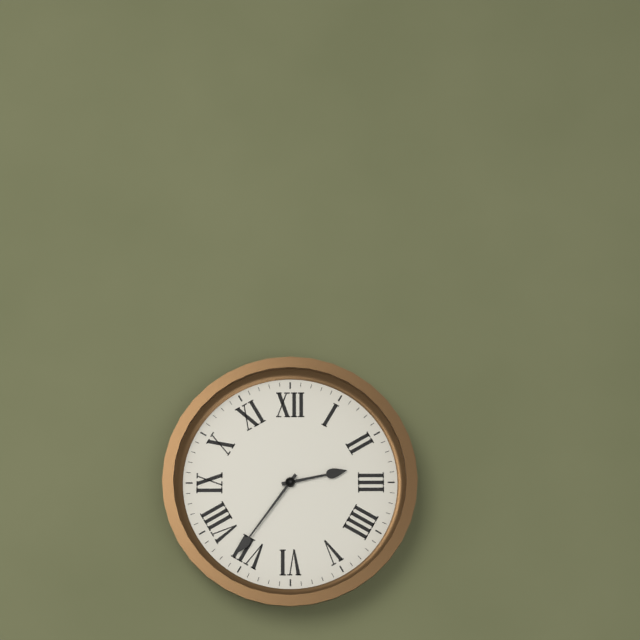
**2:36**
